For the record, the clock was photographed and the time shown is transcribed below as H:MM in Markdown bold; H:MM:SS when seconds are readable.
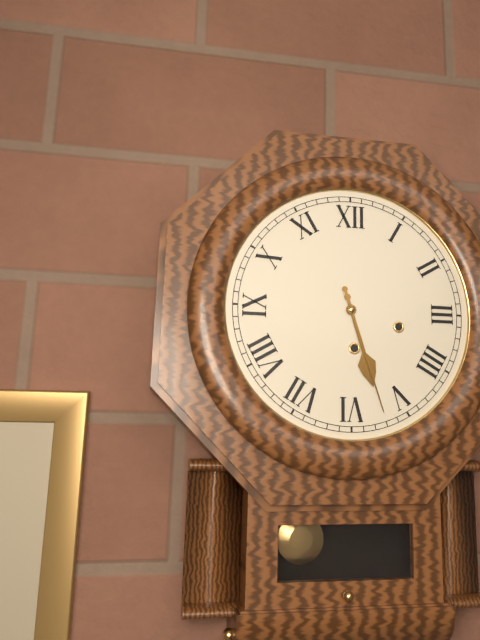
**5:27**
